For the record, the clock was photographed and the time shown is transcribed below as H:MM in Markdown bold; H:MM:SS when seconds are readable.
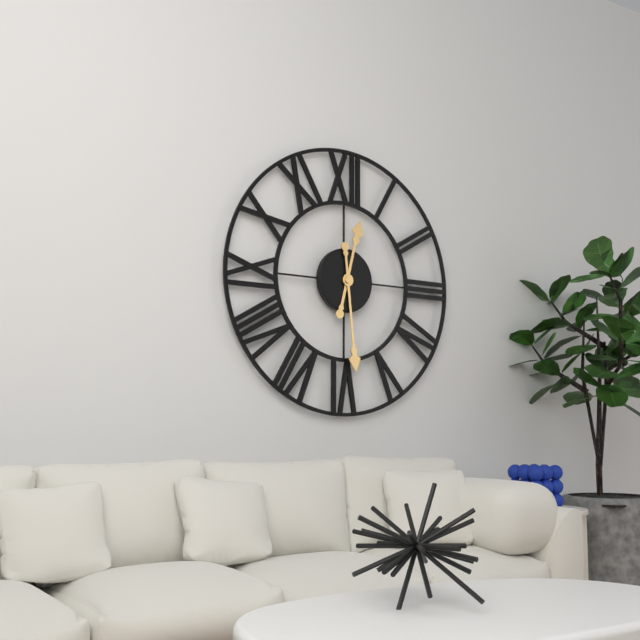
**12:29**
